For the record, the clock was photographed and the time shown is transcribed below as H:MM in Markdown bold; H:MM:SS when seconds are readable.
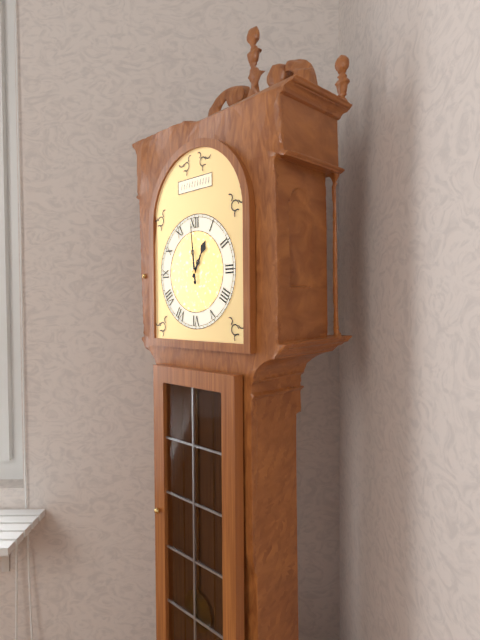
**12:59**
